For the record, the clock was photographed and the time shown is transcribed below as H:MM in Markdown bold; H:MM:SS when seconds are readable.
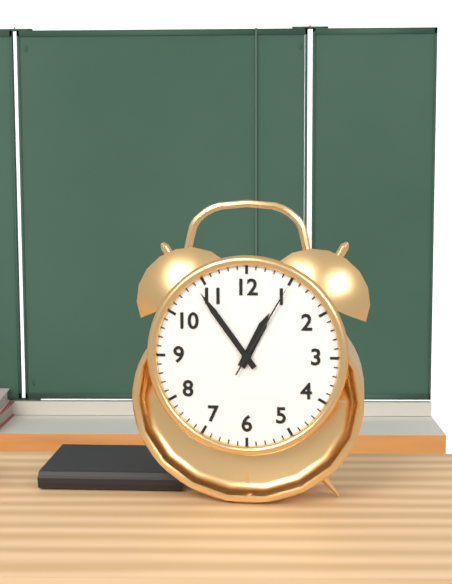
**12:54:05**
